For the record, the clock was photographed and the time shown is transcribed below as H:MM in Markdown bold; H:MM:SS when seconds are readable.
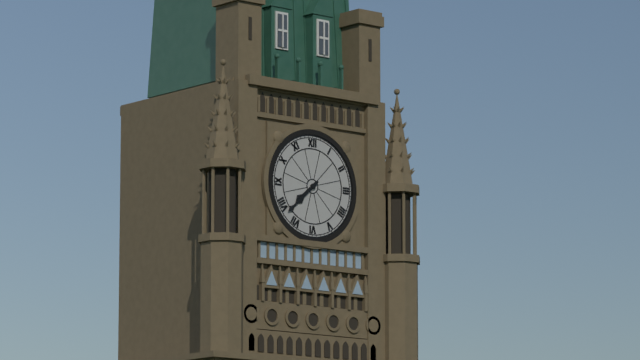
**7:38**
